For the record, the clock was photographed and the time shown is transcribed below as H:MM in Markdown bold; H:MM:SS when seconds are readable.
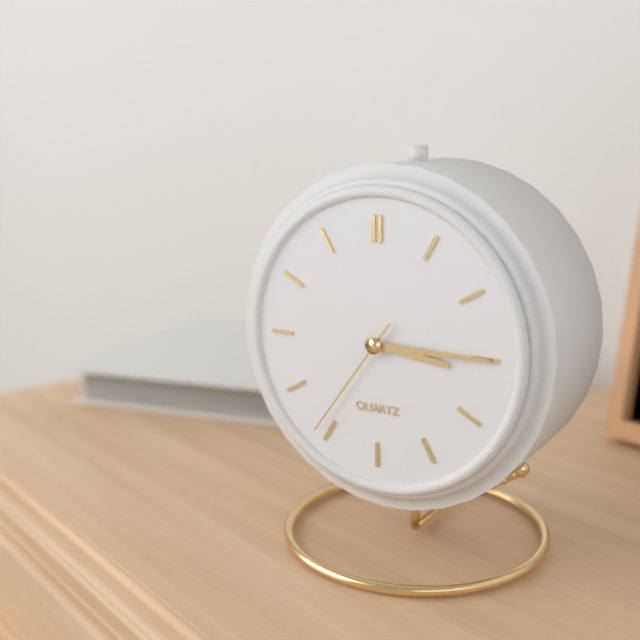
**3:15:36**
